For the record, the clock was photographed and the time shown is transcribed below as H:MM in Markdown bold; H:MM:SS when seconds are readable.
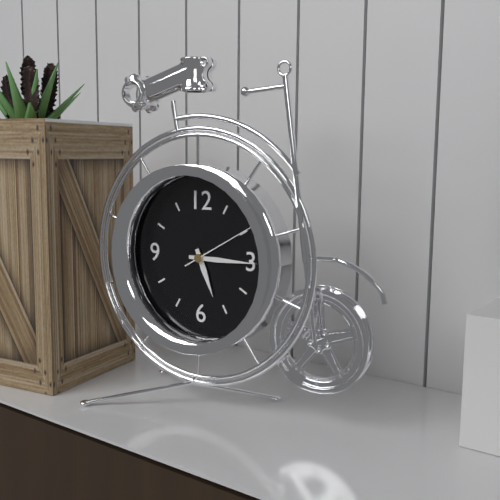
**5:15:10**
